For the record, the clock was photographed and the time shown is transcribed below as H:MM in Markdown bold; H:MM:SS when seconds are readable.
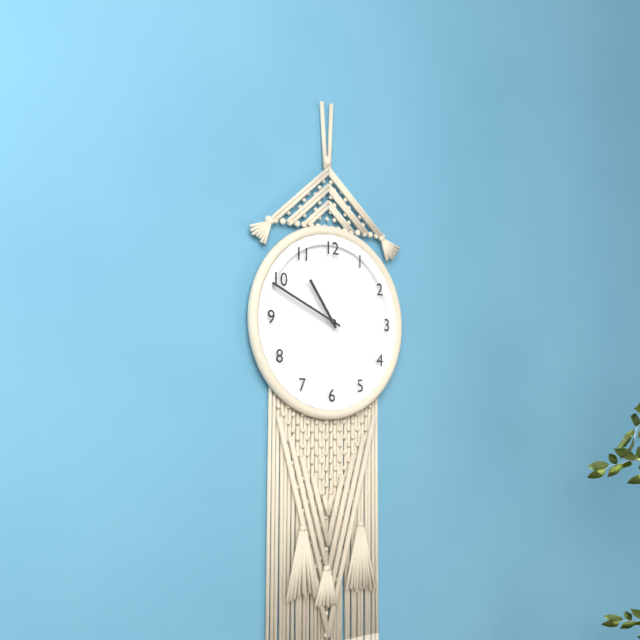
**10:49**
